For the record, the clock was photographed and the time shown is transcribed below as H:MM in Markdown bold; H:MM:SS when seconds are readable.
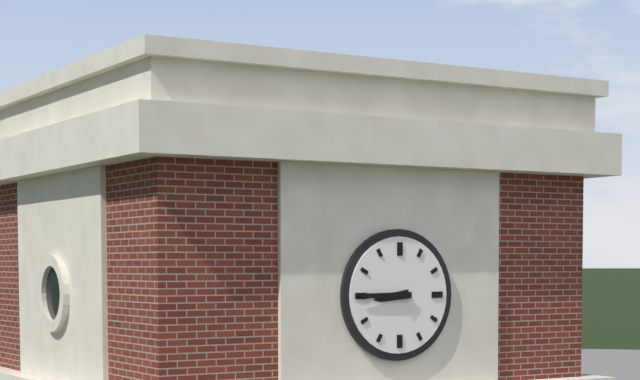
**8:45**
